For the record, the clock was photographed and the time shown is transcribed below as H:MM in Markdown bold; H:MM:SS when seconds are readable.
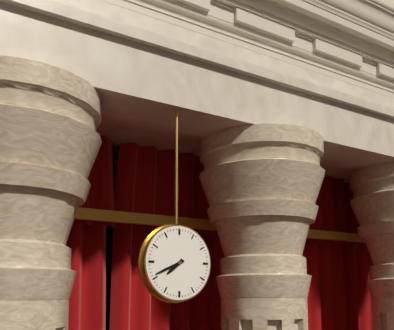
**7:41**
